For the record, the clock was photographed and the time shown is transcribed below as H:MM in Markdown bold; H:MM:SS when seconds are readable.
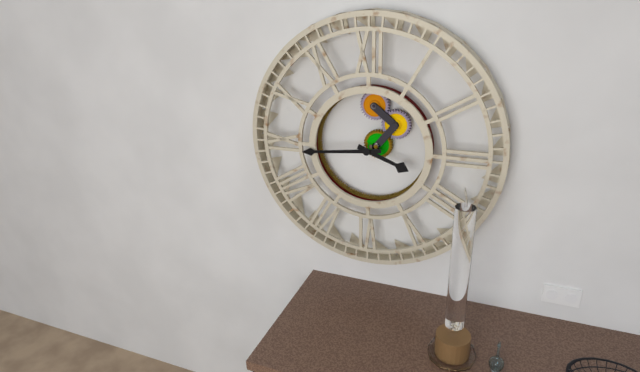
**3:44**
